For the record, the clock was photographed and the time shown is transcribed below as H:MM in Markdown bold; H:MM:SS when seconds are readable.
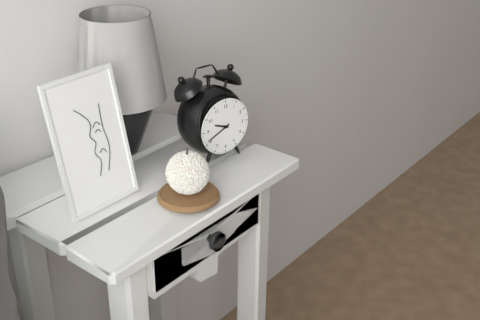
**9:41**
